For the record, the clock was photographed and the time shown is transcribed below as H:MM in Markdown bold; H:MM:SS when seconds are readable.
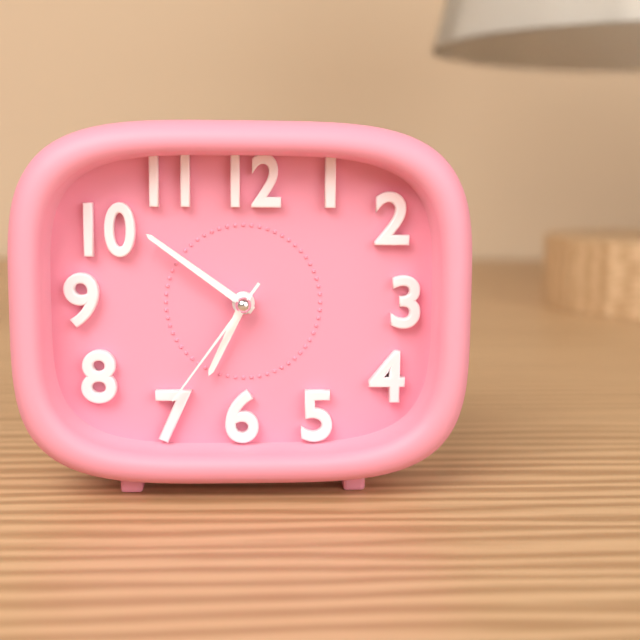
**6:51:36**
